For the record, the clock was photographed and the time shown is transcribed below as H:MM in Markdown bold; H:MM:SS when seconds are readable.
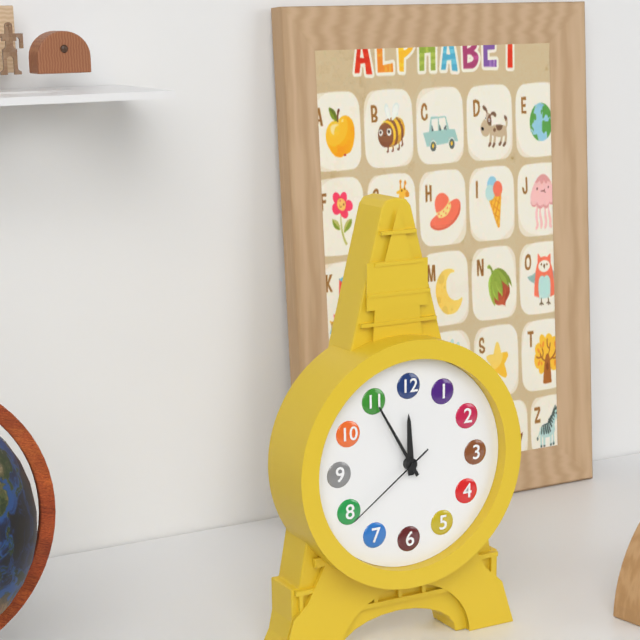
**11:55:39**
